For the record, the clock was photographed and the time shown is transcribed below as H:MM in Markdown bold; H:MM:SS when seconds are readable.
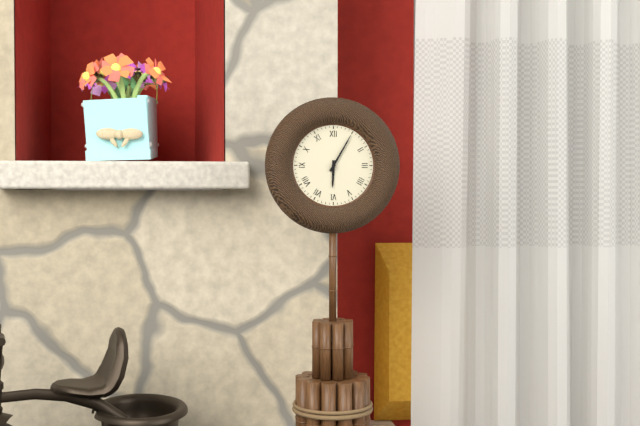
**6:05**
